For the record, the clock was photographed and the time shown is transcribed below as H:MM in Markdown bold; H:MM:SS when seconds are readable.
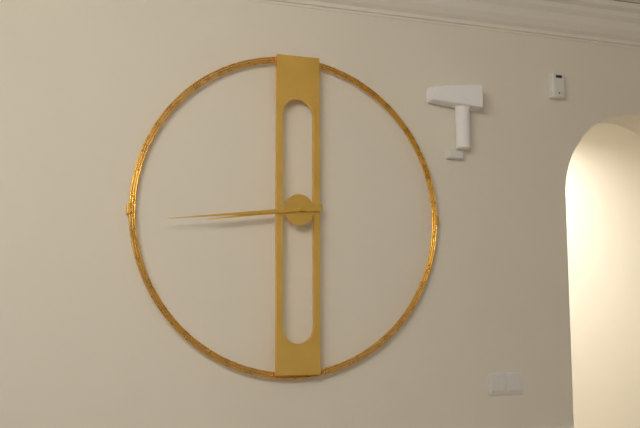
**8:44**
